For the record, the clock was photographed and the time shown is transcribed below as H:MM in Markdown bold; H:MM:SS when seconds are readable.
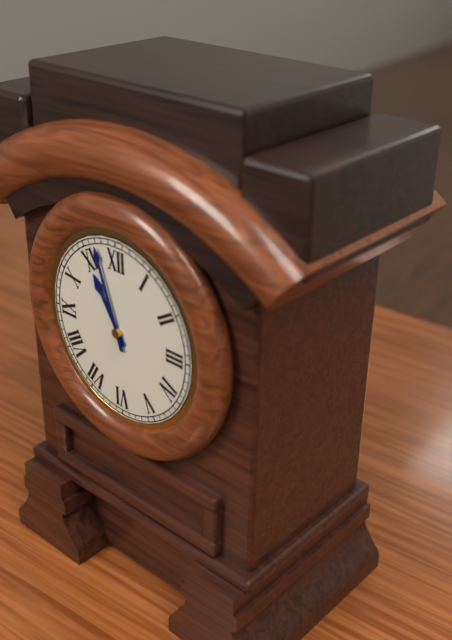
**10:57**
